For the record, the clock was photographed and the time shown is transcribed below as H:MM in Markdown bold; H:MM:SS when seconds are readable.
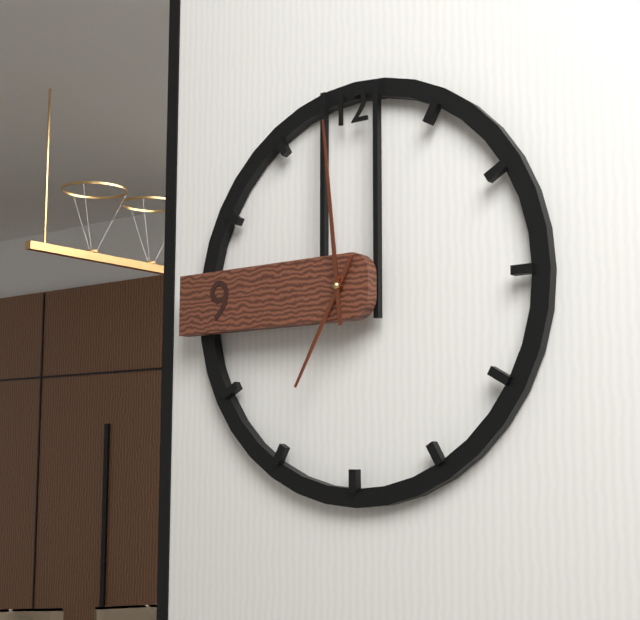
**6:59**
